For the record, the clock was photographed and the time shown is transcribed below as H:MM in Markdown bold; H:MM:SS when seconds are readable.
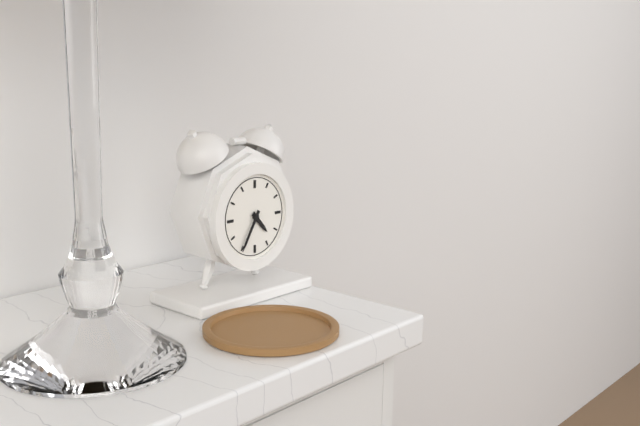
**4:35**
